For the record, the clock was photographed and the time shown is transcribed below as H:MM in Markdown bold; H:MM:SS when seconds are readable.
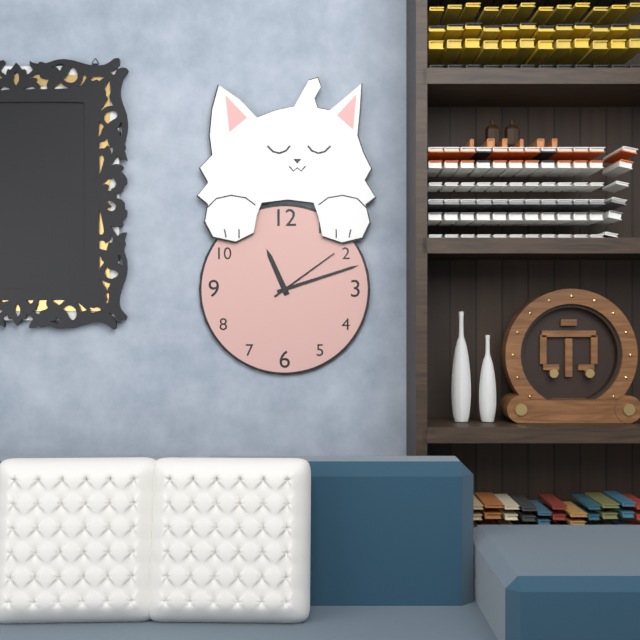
**11:12:09**
